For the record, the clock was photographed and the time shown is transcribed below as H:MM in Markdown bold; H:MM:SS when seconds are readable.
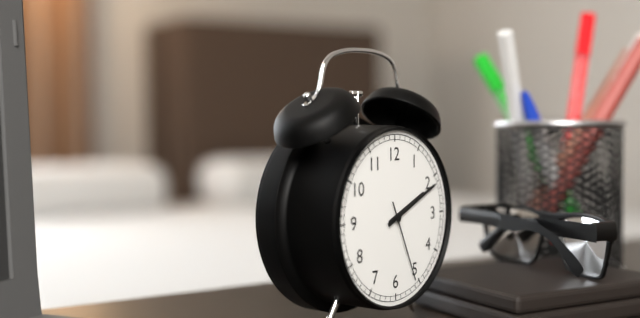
**2:11:26**
